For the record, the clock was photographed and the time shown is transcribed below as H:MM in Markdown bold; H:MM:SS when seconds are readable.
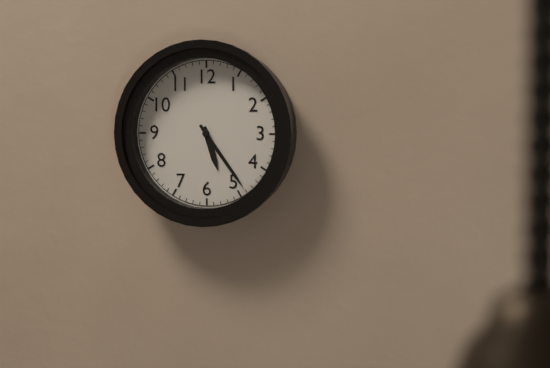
**5:24**
